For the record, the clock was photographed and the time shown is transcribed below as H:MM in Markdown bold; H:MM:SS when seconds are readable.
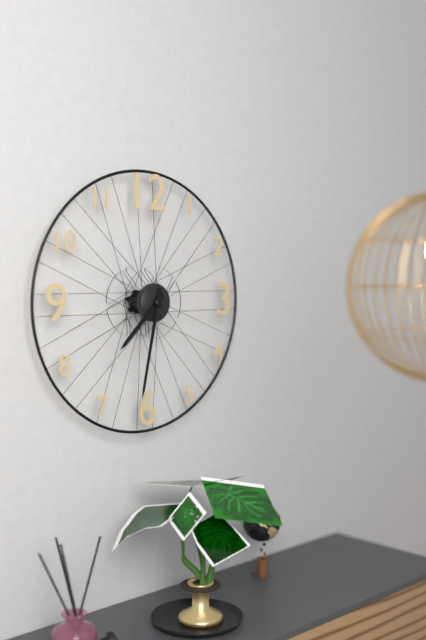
**7:32**
